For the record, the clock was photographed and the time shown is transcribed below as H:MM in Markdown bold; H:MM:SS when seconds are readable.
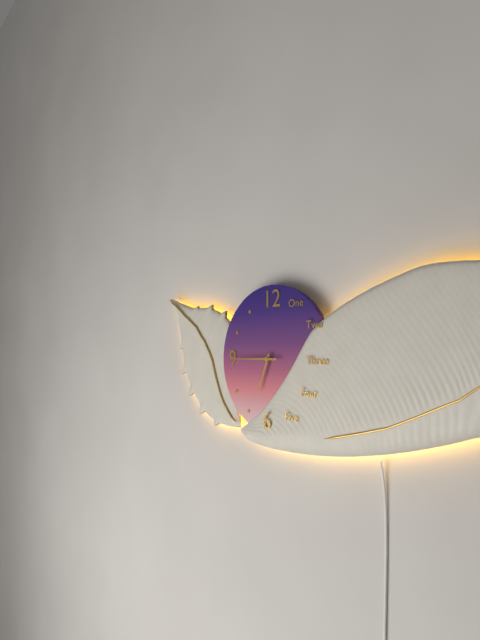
**6:45**
